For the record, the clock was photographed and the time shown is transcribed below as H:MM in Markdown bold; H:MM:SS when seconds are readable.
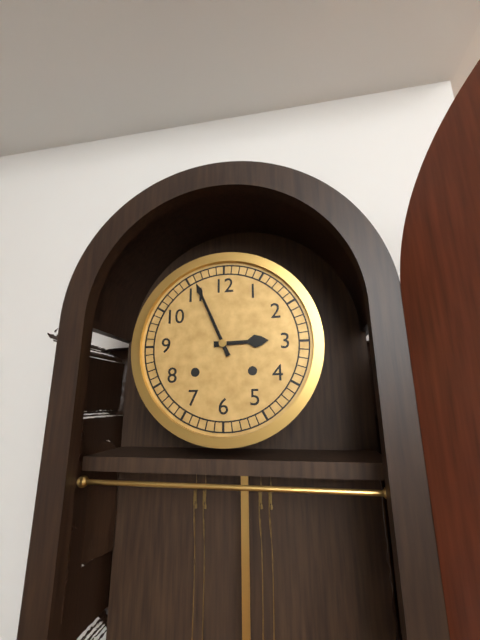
**2:56**
